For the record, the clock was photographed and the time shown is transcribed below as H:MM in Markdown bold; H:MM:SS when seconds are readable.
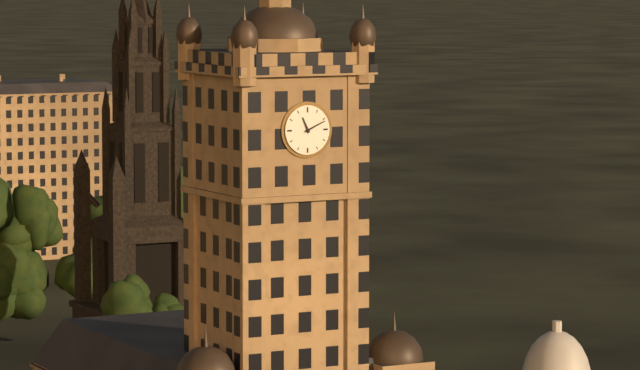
**11:11**
